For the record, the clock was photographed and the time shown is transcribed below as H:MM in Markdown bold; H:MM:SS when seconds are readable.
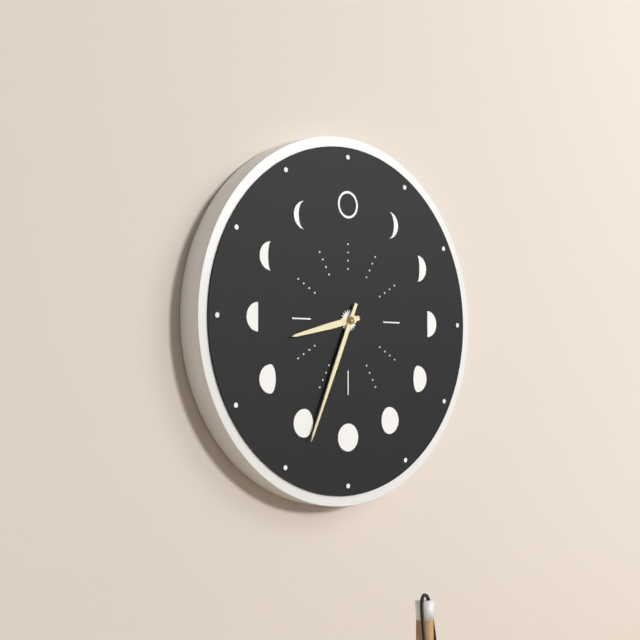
**8:34**
